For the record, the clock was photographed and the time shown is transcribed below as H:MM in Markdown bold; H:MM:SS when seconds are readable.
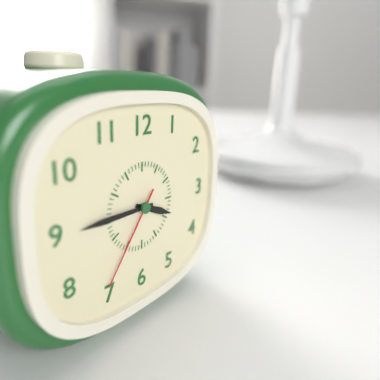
**3:45:36**
